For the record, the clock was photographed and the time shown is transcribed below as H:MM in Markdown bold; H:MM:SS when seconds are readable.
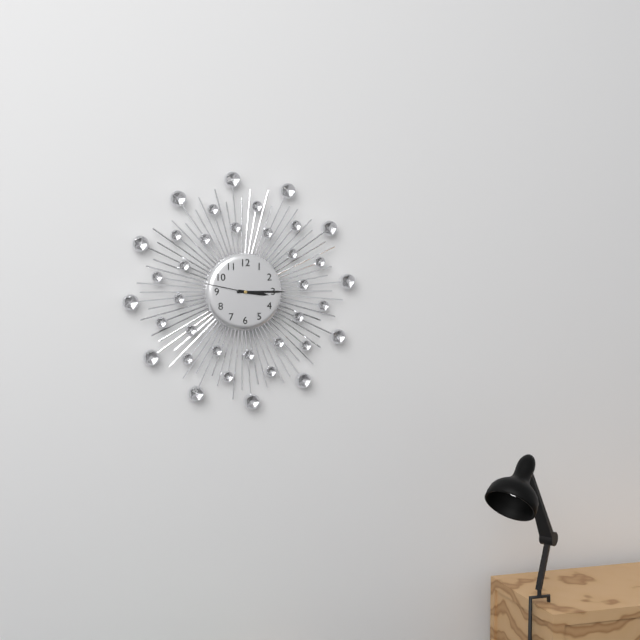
**3:15:47**
